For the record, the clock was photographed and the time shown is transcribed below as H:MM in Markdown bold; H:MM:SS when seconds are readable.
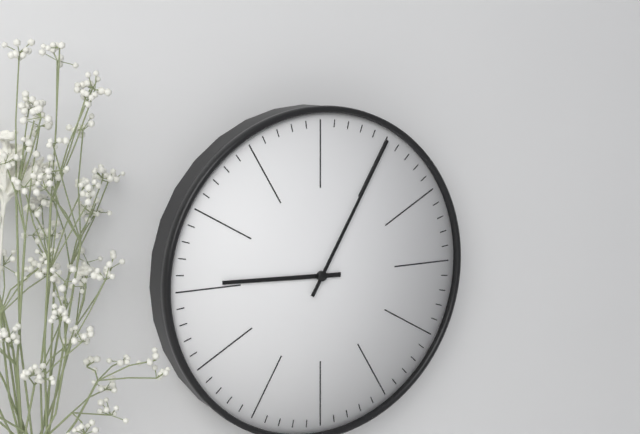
**9:05**
